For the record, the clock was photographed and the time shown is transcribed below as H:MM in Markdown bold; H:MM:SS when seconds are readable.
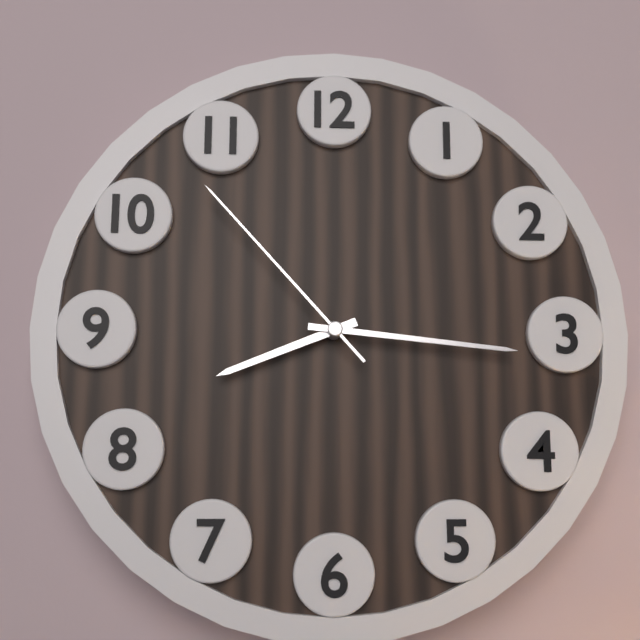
**8:16:53**
